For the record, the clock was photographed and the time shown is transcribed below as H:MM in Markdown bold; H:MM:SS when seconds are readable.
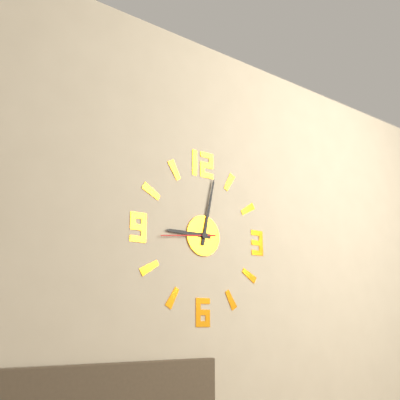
**9:02:44**
